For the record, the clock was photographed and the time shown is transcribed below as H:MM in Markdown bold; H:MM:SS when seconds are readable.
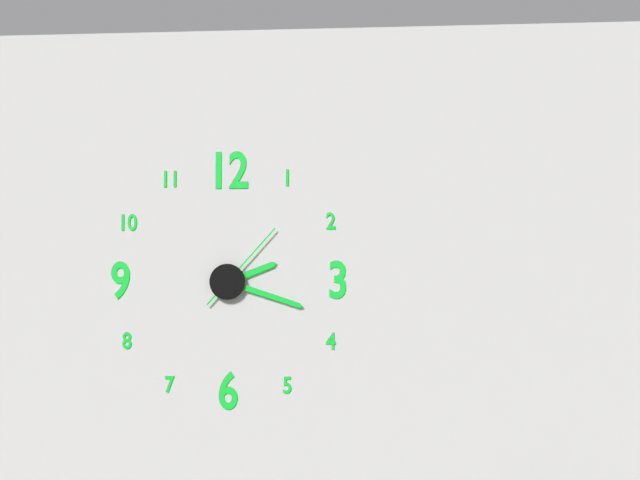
**2:18:07**
